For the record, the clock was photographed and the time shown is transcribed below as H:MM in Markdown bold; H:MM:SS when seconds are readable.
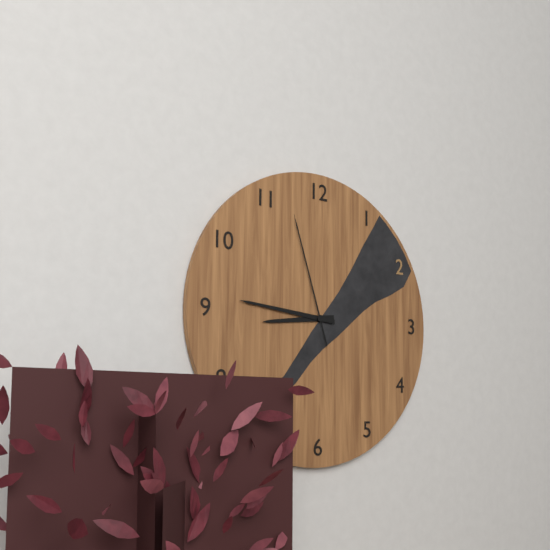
**8:46:57**
